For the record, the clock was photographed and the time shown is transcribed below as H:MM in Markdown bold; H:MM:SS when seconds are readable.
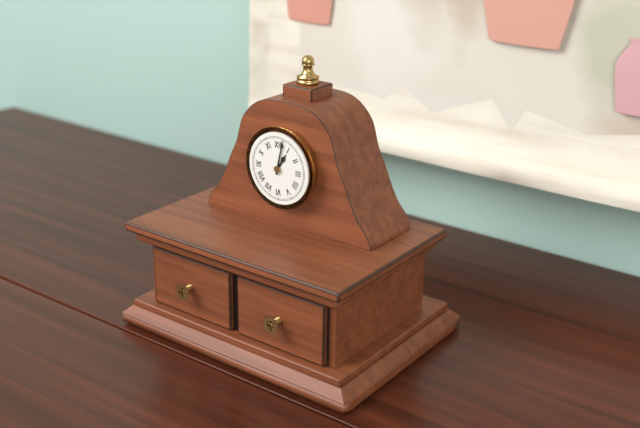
**1:02**
